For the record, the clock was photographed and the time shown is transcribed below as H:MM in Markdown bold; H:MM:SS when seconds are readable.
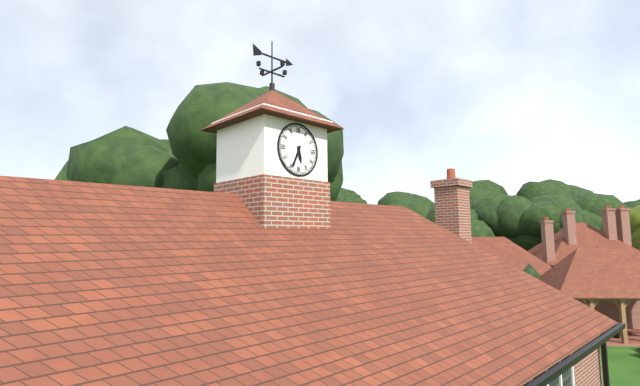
**5:34**
